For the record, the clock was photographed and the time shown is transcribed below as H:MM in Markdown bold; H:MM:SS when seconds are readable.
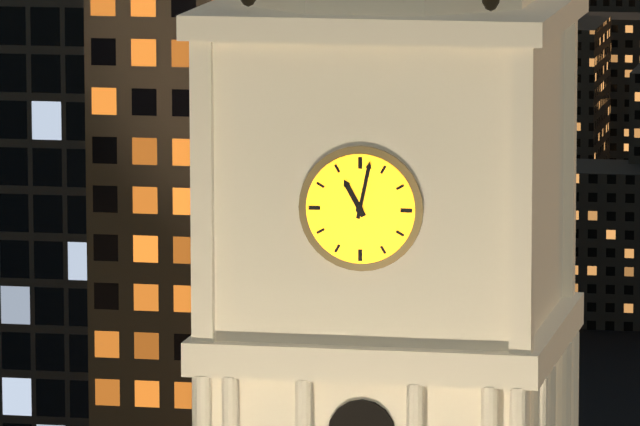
**11:02**
